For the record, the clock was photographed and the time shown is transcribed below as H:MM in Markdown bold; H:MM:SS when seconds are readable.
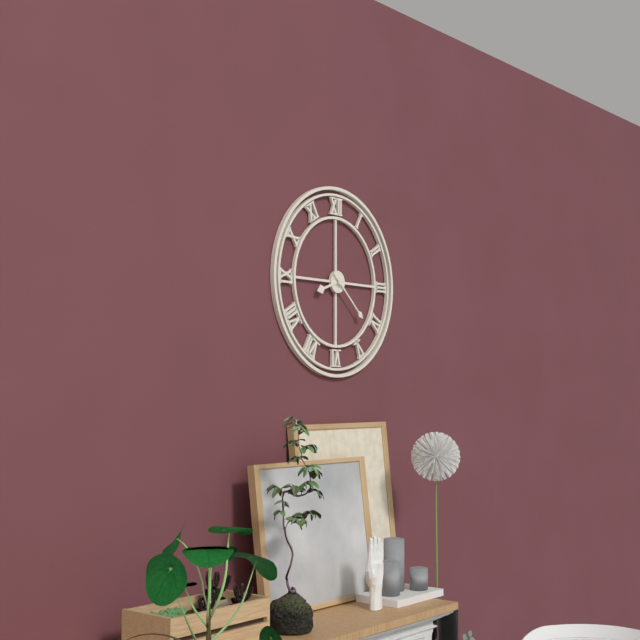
**8:22**
